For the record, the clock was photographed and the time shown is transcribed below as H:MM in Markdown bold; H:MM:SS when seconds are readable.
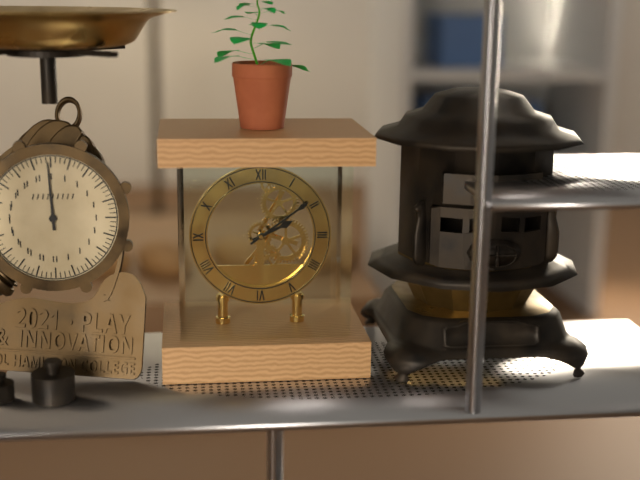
**2:09**
